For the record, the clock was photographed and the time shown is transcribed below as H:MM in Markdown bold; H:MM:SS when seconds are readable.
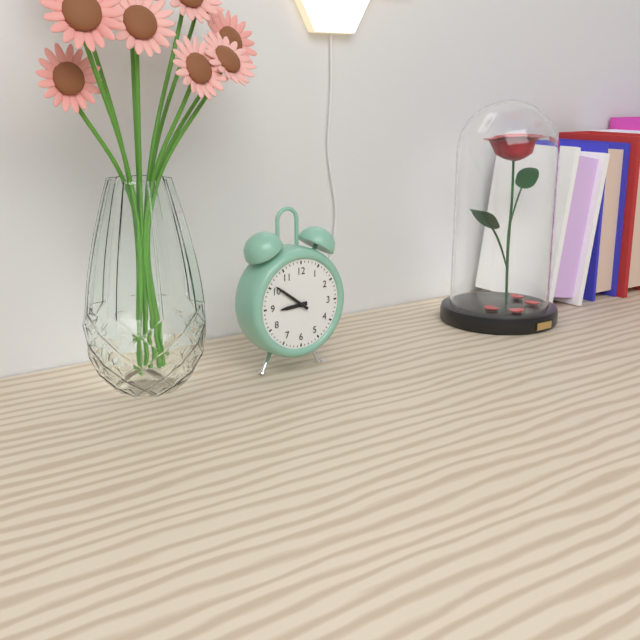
**8:51**
